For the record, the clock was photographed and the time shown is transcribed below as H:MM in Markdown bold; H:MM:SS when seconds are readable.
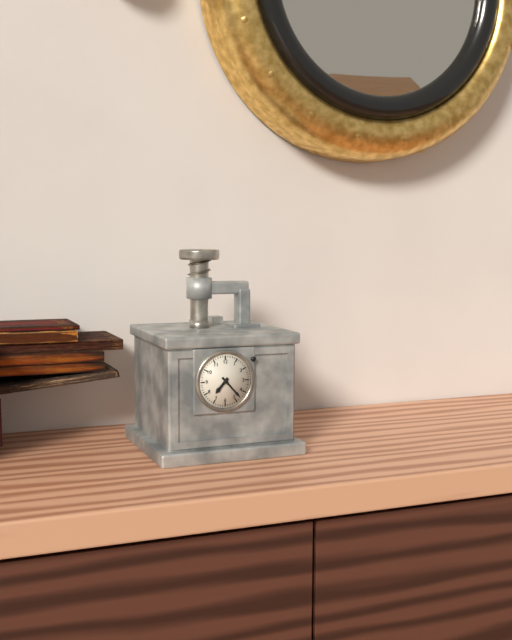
**7:23**
